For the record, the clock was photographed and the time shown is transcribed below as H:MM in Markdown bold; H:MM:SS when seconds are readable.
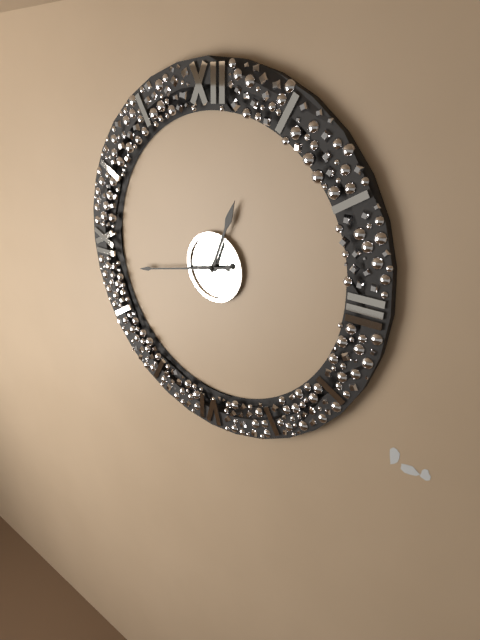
**12:43**
